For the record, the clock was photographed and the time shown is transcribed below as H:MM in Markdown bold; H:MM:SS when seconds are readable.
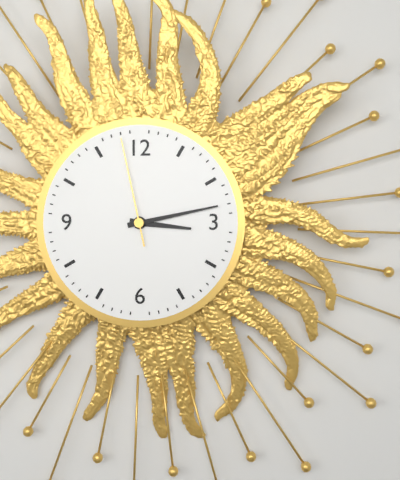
**3:13:58**
